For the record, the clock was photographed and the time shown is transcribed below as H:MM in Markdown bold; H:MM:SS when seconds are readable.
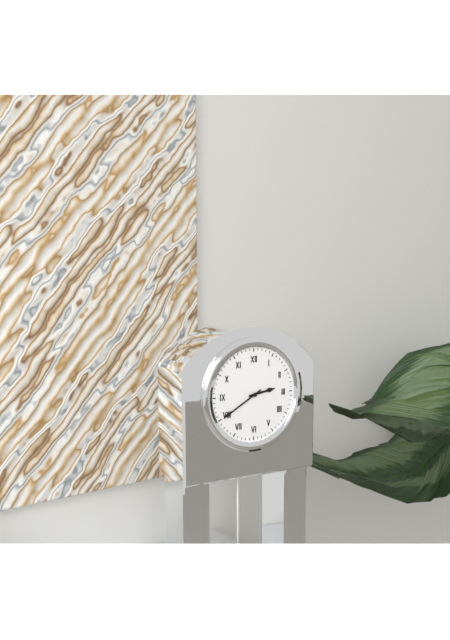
**2:40**
